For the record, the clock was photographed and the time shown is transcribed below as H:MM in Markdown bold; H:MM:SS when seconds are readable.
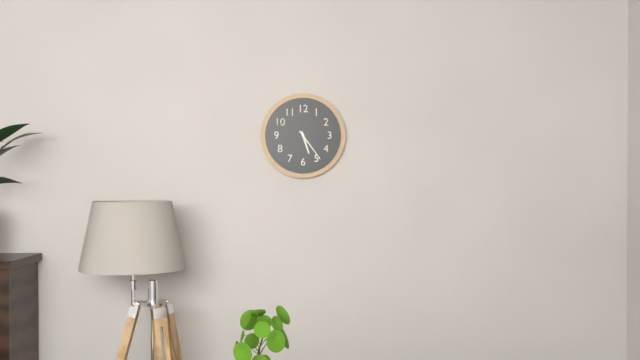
**5:24**
